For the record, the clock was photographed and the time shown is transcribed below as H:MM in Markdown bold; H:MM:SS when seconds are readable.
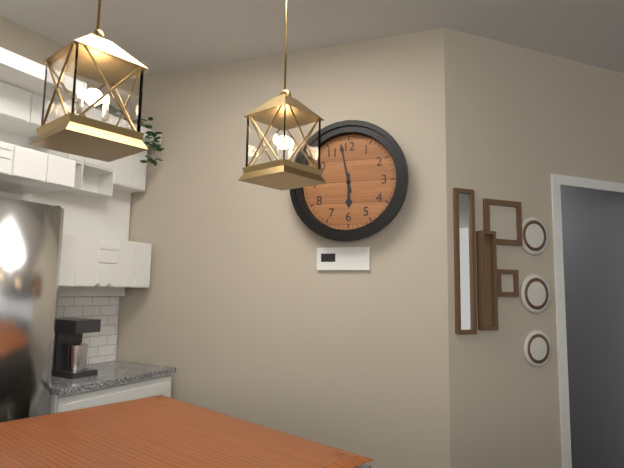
**5:58**
